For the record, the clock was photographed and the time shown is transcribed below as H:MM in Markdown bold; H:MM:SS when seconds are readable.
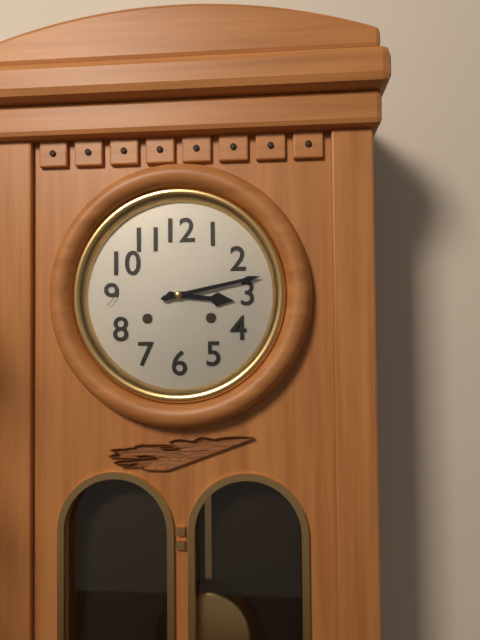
**3:13**
